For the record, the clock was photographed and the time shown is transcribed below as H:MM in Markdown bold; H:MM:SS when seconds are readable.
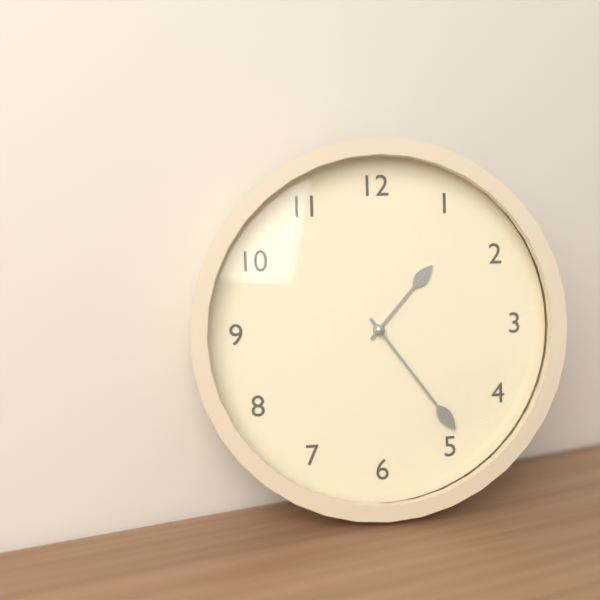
**1:24**
